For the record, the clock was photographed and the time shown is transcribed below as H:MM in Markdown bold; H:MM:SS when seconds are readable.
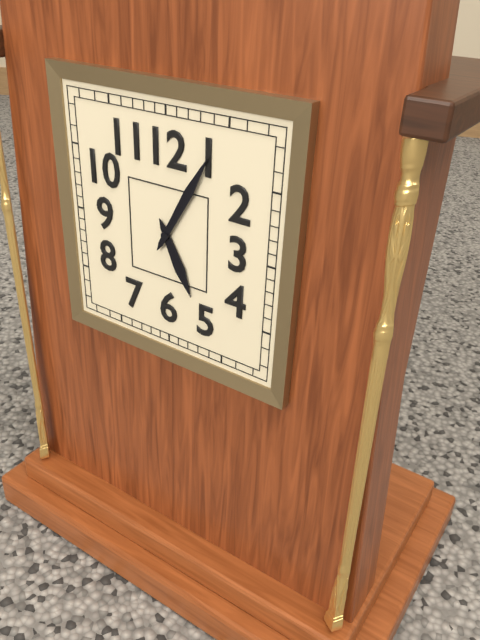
**5:05**
